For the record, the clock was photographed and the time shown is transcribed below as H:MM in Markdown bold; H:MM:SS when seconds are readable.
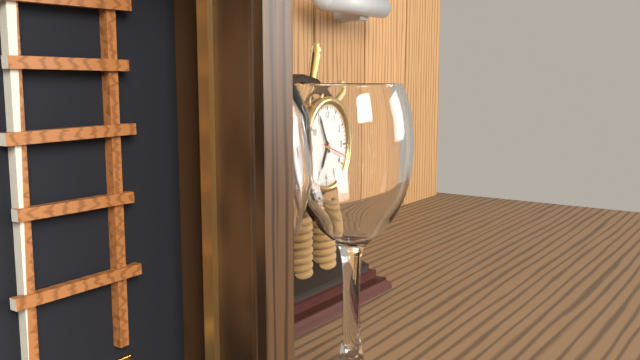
**6:55**
